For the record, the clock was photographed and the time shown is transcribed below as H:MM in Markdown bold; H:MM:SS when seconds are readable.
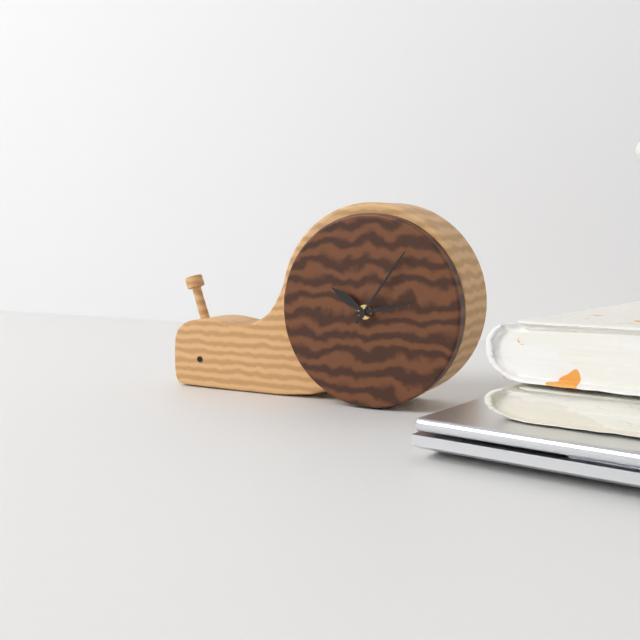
**10:06:13**
